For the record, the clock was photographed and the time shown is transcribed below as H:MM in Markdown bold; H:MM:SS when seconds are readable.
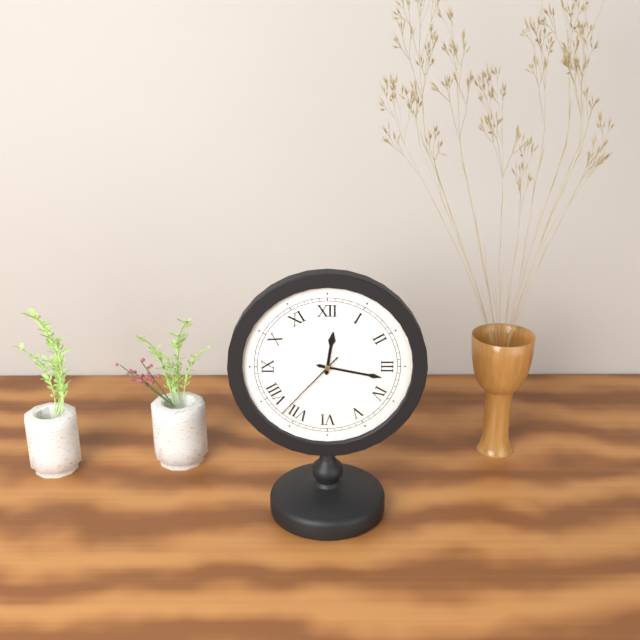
**12:17:37**
